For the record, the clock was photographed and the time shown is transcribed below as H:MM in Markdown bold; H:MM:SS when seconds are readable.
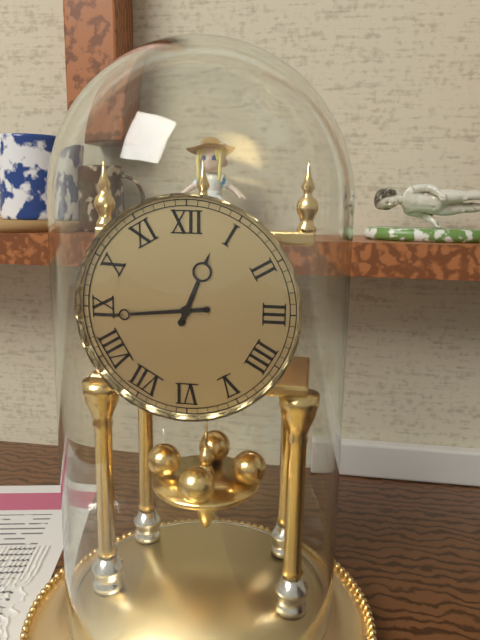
**12:44**
